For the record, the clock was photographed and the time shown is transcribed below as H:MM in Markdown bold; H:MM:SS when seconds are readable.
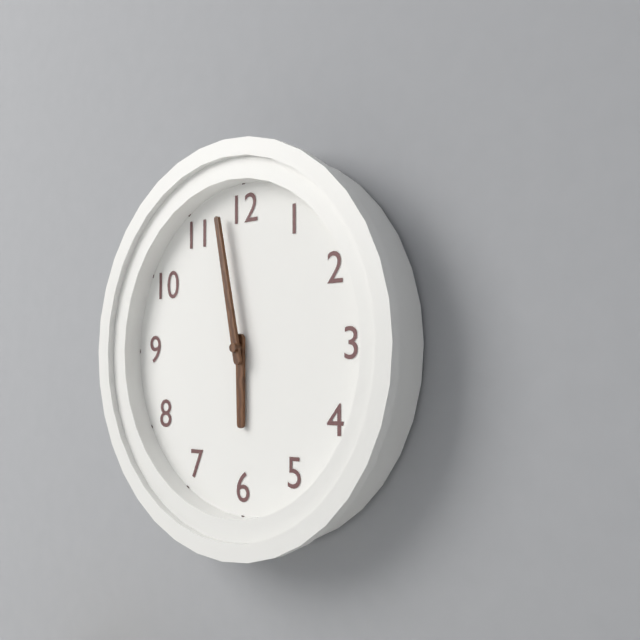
**5:58**
